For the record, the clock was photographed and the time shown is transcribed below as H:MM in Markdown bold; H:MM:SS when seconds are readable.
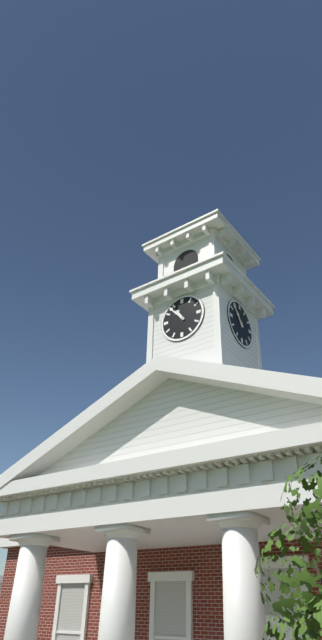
**10:53**
